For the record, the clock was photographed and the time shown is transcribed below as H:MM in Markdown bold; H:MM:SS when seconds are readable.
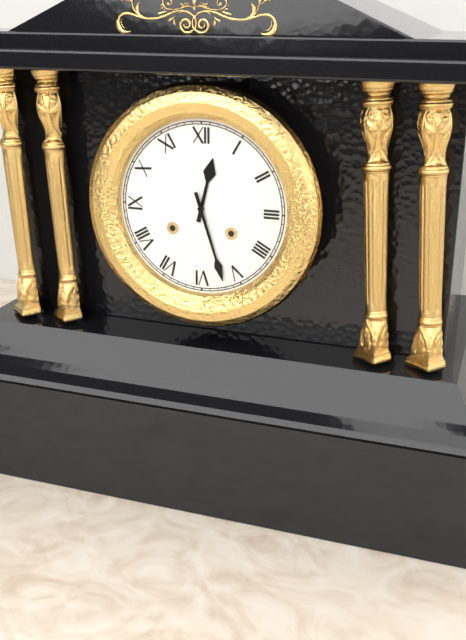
**12:27**
